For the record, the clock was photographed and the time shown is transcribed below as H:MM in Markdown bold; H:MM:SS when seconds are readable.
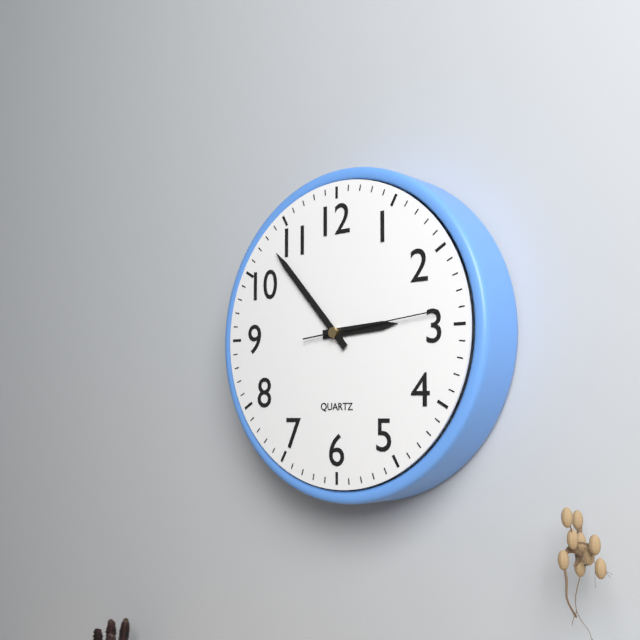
**2:53:14**
